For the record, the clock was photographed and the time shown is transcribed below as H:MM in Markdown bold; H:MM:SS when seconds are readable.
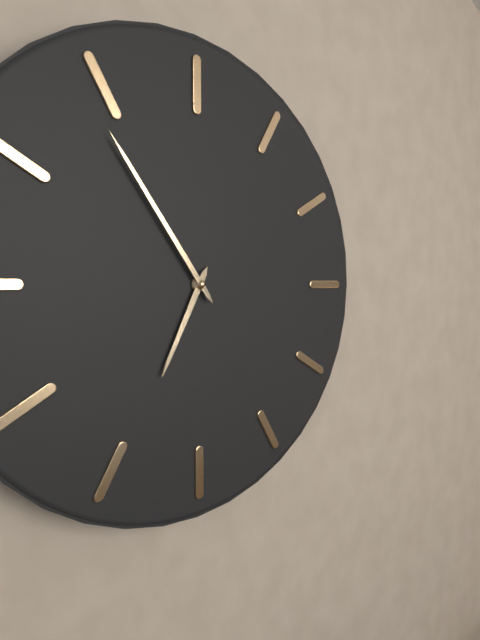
**6:54**
